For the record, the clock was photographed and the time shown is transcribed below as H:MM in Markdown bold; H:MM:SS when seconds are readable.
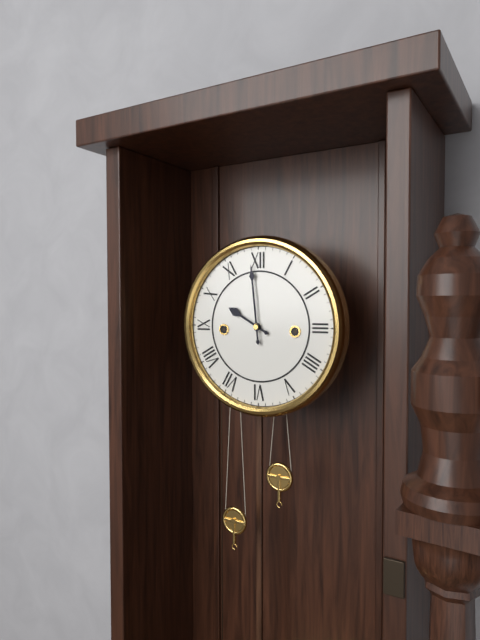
**9:59**
